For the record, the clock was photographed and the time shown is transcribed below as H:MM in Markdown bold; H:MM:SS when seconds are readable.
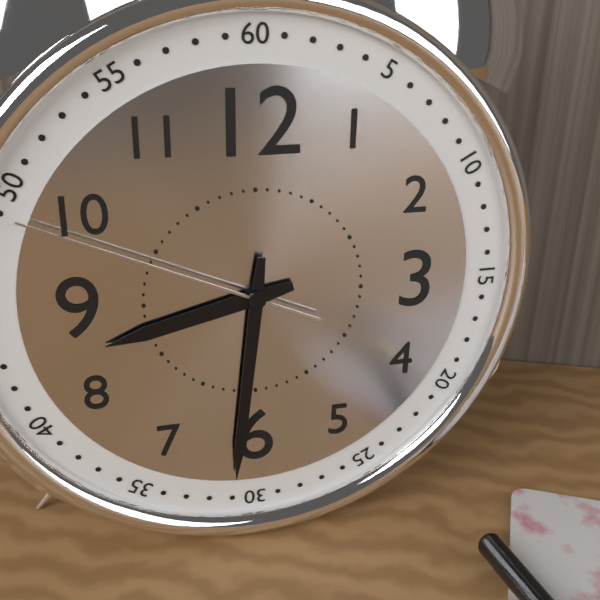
**8:31:49**
